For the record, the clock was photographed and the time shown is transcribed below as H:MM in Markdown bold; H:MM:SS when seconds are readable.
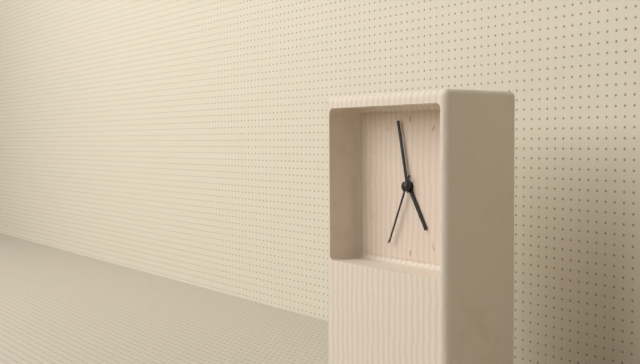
**4:58:34**
